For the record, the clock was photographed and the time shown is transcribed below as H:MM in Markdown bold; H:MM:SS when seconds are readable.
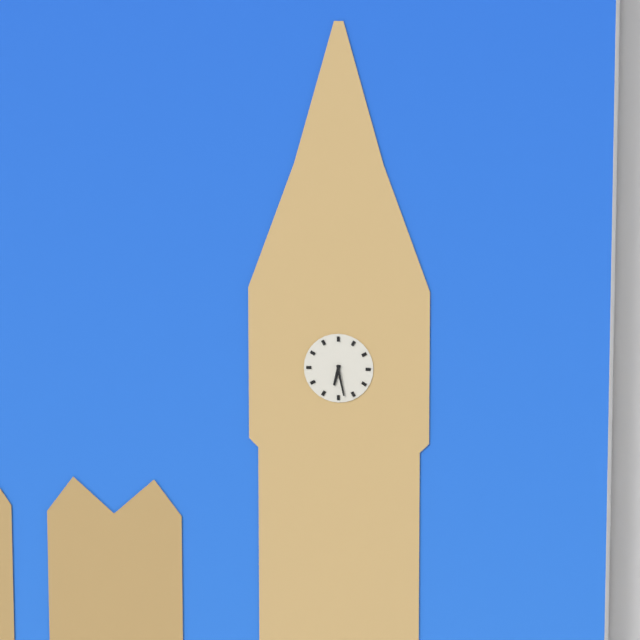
**6:28**
